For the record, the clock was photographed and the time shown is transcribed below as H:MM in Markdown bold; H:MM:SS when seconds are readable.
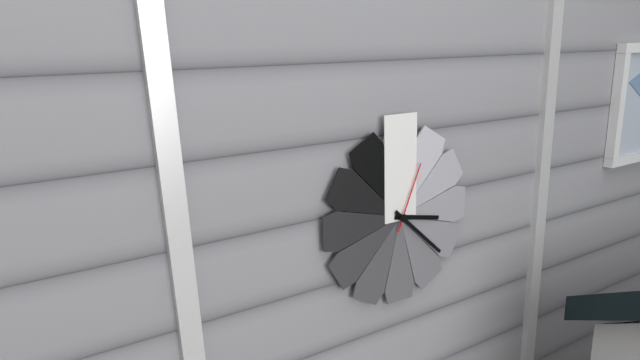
**3:22:04**
